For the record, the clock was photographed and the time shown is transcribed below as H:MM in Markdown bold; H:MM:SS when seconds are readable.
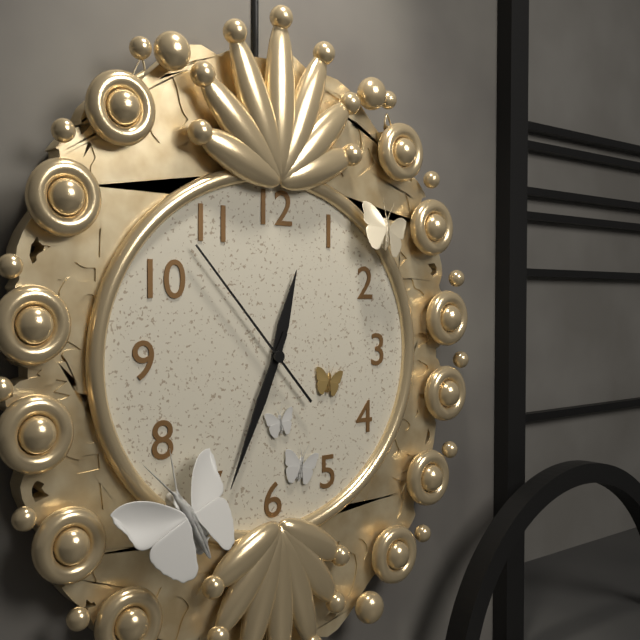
**12:34:53**
